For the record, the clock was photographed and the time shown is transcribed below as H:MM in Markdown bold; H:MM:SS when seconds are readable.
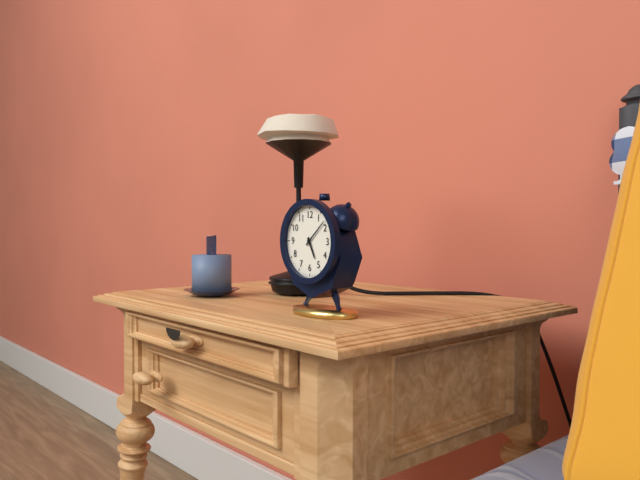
**5:08**
